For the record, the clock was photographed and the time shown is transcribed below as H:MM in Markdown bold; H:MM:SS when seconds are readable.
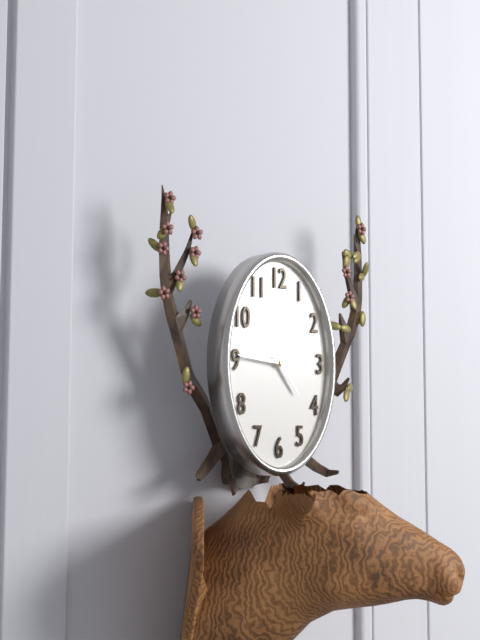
**4:46**
